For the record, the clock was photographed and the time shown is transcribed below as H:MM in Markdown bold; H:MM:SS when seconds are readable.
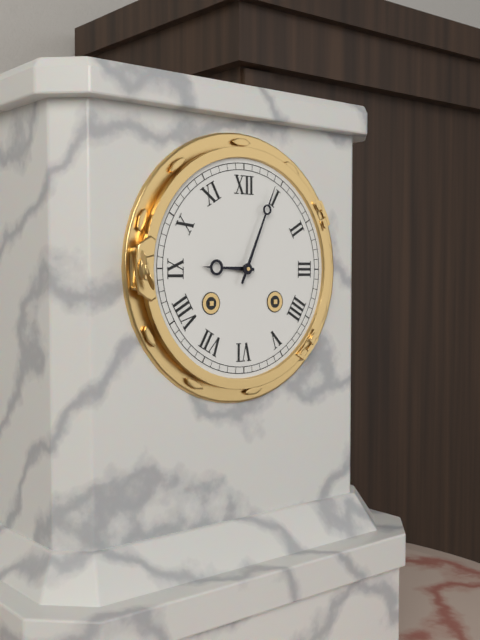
**9:04**
